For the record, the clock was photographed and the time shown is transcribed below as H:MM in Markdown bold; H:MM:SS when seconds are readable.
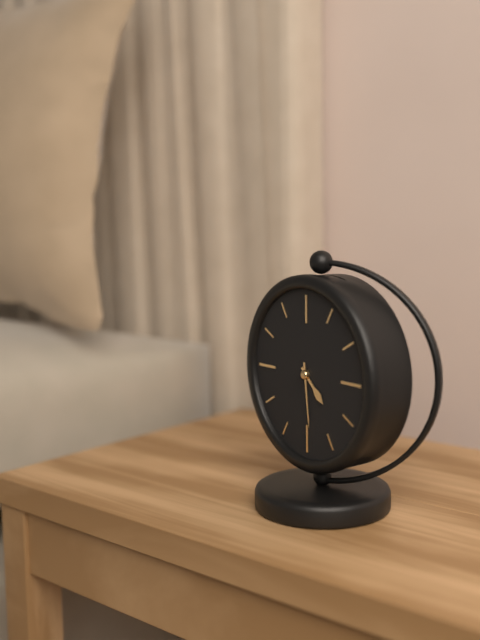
**4:29**
